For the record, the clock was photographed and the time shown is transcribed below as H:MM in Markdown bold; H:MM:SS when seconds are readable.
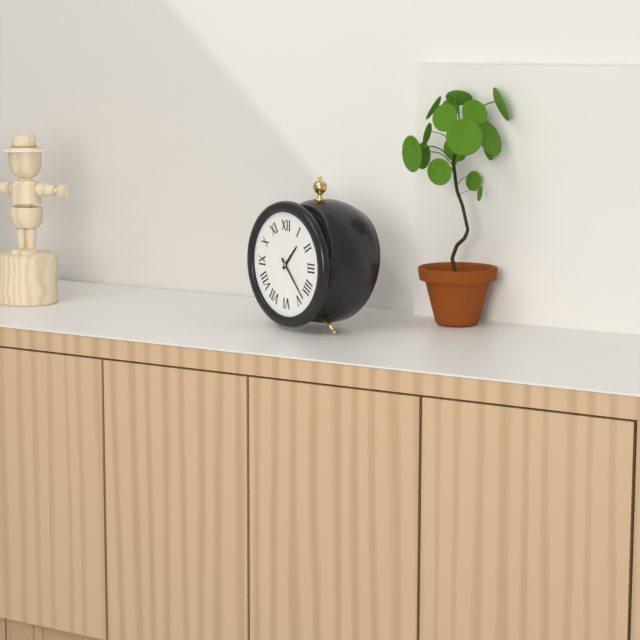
**1:23**
